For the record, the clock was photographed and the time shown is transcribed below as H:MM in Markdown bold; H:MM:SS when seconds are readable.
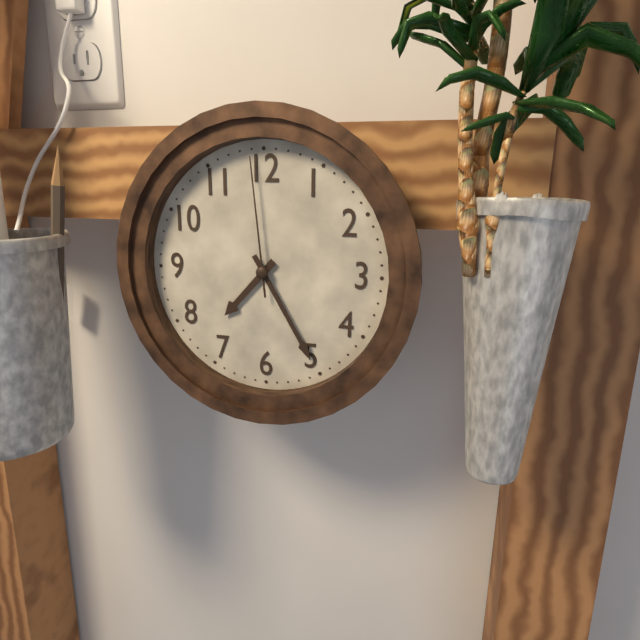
**7:25:59**
